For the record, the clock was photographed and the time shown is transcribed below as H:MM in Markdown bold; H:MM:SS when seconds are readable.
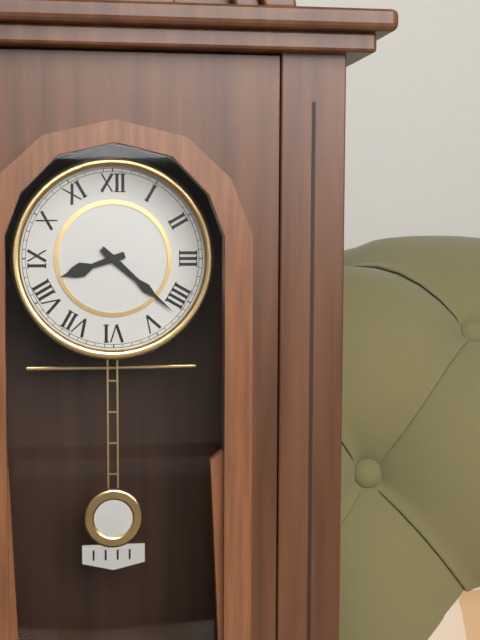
**8:22**
